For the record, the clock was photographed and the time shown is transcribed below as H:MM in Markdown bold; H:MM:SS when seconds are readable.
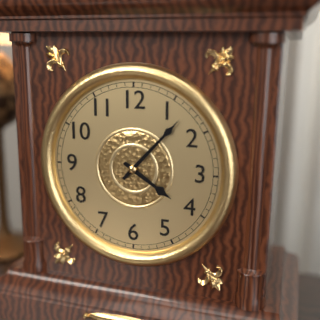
**4:07**
